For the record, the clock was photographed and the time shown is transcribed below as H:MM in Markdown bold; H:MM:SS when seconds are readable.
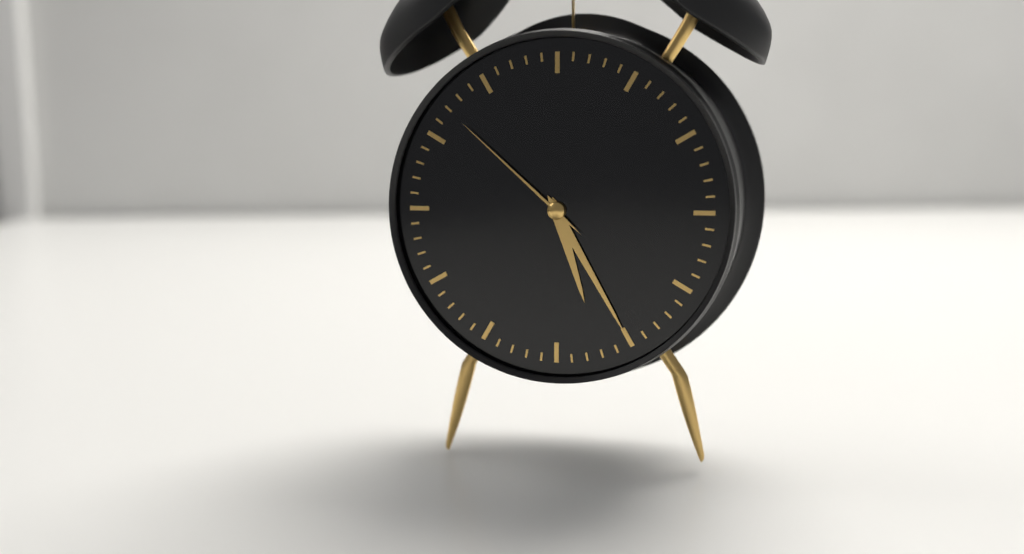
**5:25:52**
